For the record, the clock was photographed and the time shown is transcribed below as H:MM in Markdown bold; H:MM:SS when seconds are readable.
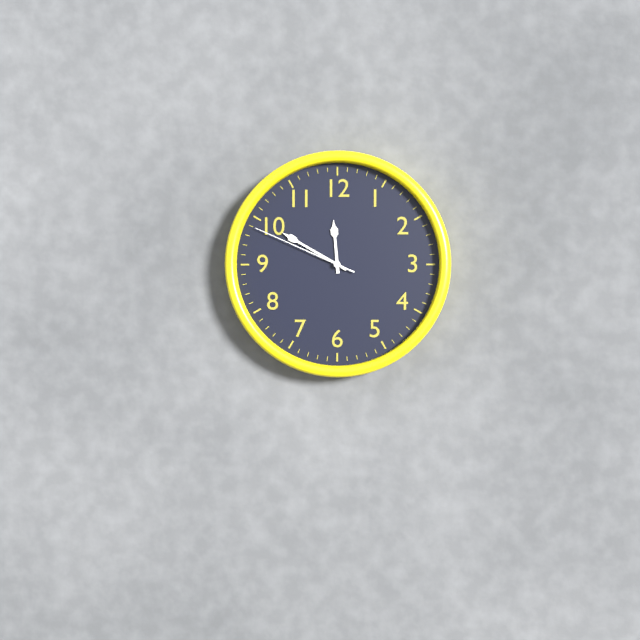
**11:50:49**
